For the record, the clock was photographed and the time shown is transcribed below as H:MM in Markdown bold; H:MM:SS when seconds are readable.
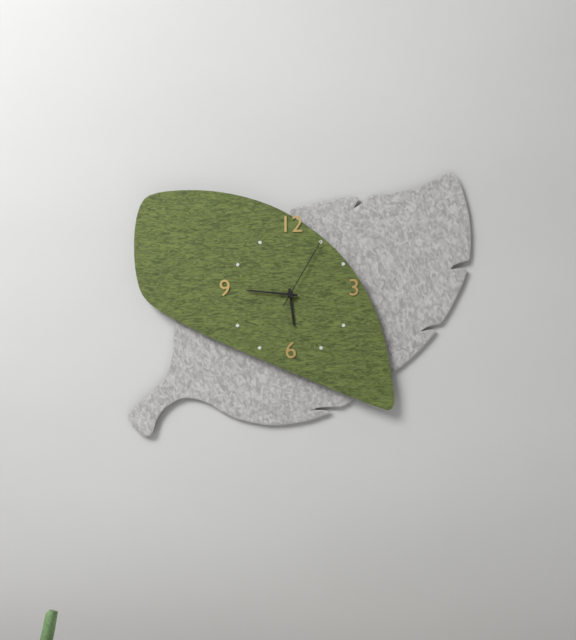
**5:46:05**
